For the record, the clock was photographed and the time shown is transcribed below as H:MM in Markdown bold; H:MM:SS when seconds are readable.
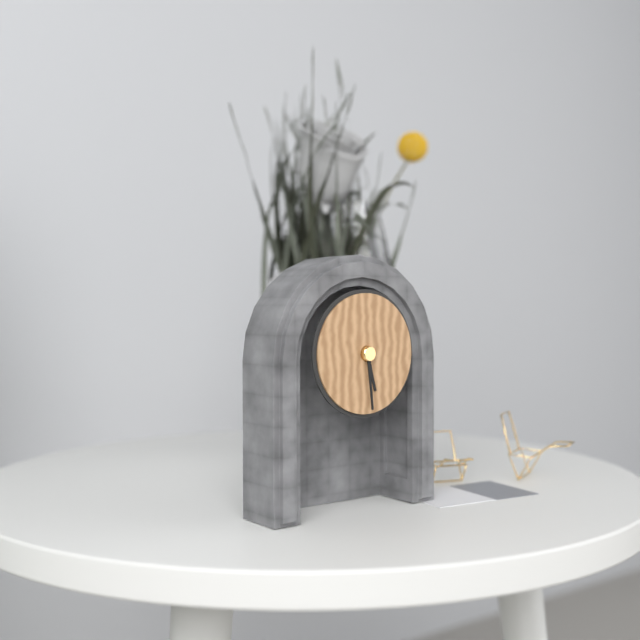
**5:29**
